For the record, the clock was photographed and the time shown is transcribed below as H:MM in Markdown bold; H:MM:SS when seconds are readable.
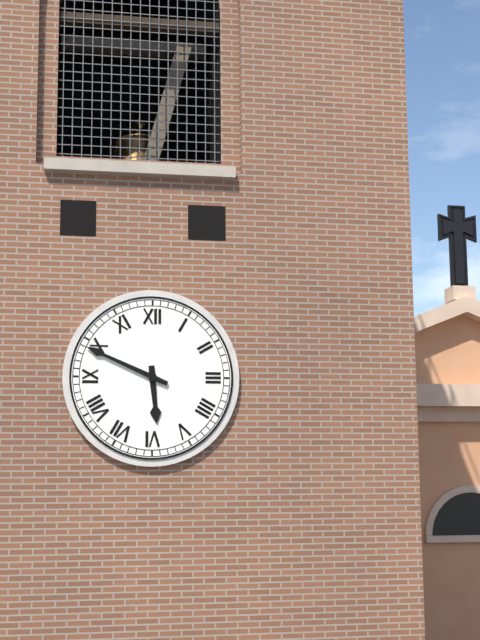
**5:49**
